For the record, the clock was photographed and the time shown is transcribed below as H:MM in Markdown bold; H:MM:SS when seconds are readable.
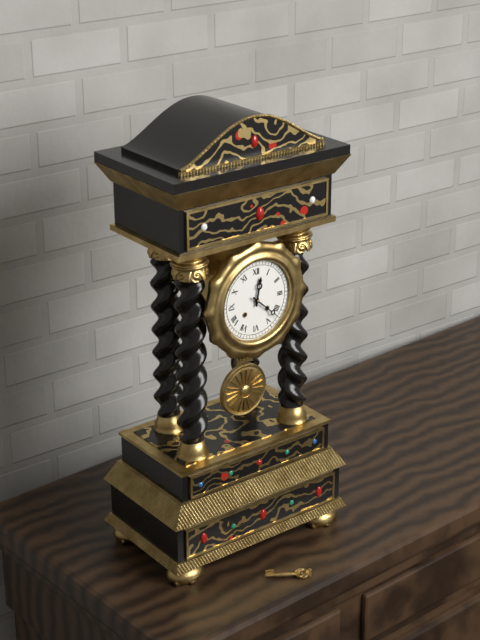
**12:22**
